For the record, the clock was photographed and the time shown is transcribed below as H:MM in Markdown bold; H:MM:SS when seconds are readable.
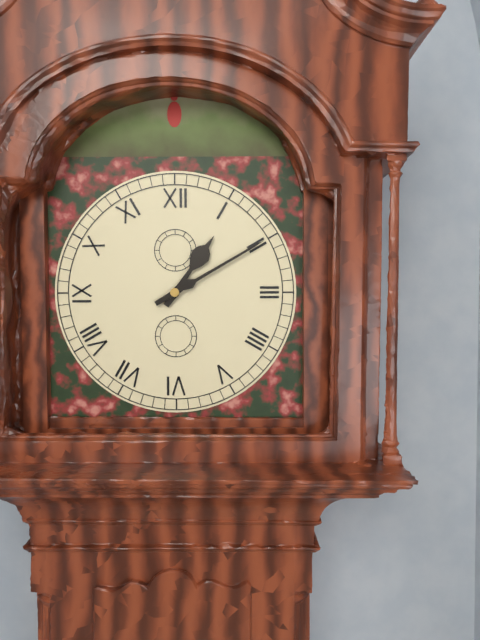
**1:10**
